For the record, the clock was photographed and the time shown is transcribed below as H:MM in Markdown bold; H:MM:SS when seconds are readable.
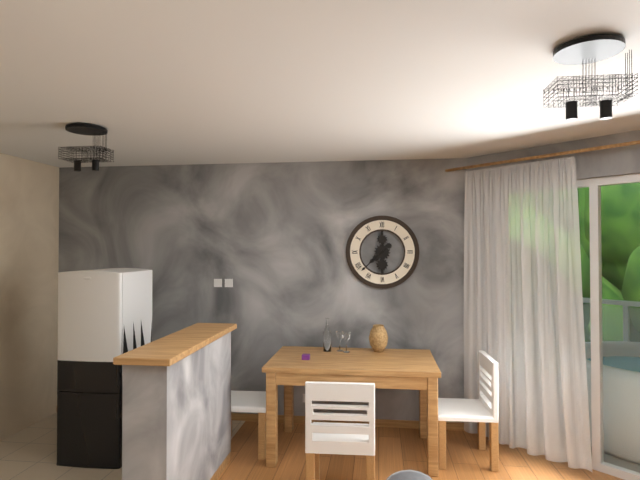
**7:38**
